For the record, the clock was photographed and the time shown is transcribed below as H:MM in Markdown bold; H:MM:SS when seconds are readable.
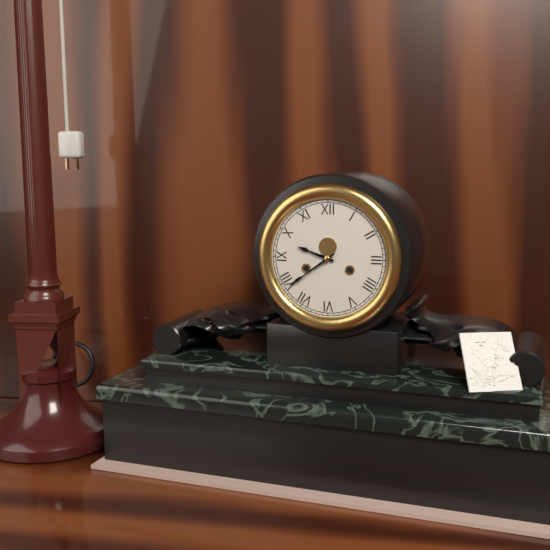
**9:39**
